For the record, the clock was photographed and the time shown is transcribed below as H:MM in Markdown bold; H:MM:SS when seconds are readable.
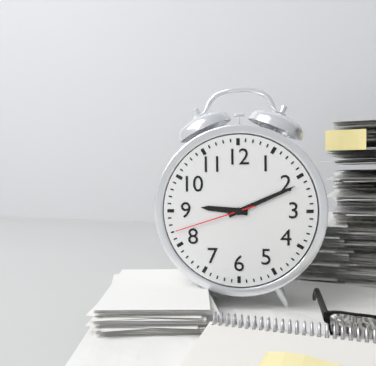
**9:11:42**
